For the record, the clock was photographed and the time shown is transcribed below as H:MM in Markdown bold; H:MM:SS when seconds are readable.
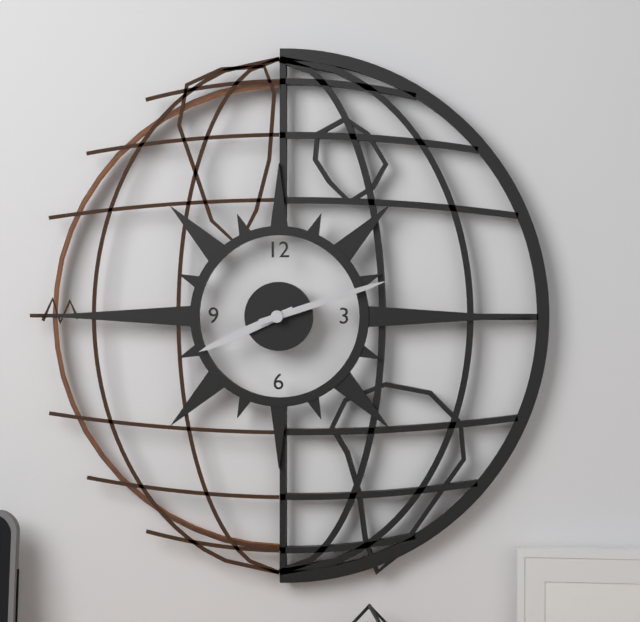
**8:12**
